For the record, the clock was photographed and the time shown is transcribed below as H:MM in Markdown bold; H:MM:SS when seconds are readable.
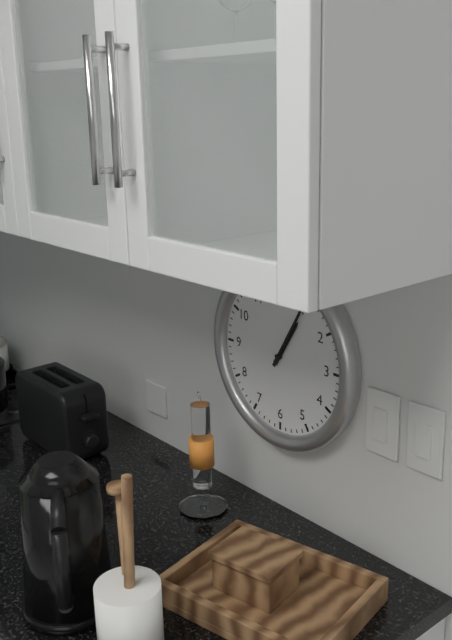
**1:05**
